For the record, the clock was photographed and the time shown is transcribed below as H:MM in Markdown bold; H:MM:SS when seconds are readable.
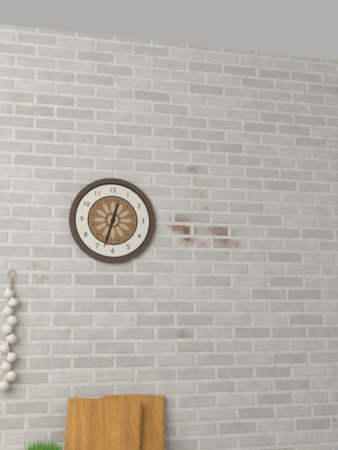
**12:33**
